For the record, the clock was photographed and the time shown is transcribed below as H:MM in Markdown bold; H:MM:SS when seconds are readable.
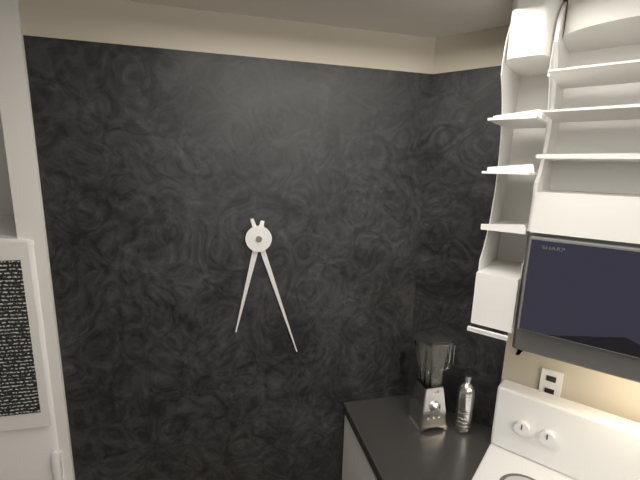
**6:27**
